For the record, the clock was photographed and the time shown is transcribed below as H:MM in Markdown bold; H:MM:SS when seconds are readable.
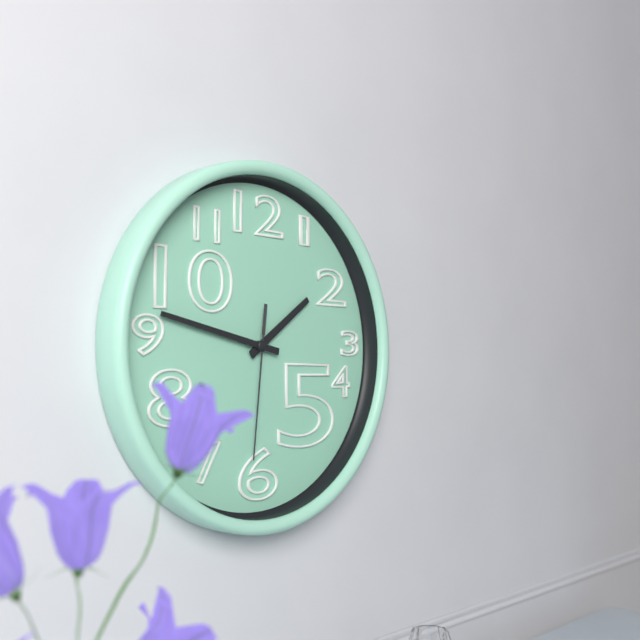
**1:47:31**
